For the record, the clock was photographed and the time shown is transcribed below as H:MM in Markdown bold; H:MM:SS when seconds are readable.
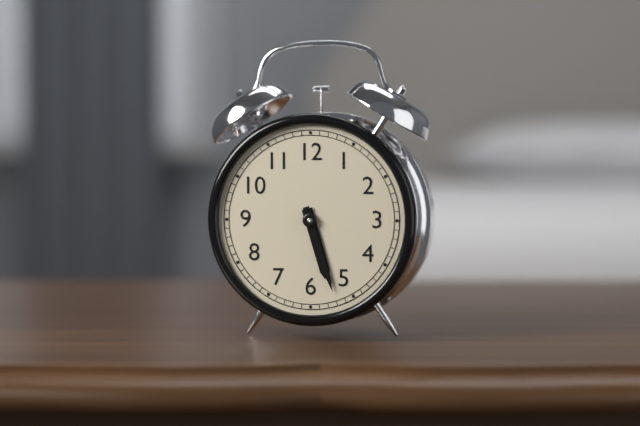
**5:27**
